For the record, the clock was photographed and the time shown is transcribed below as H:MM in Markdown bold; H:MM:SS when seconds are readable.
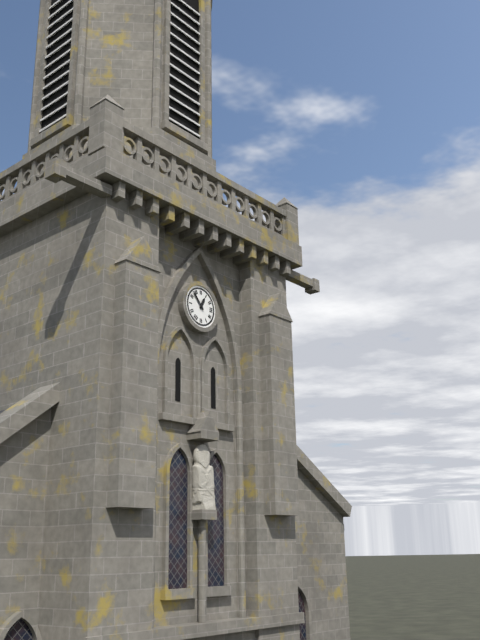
**12:53**
